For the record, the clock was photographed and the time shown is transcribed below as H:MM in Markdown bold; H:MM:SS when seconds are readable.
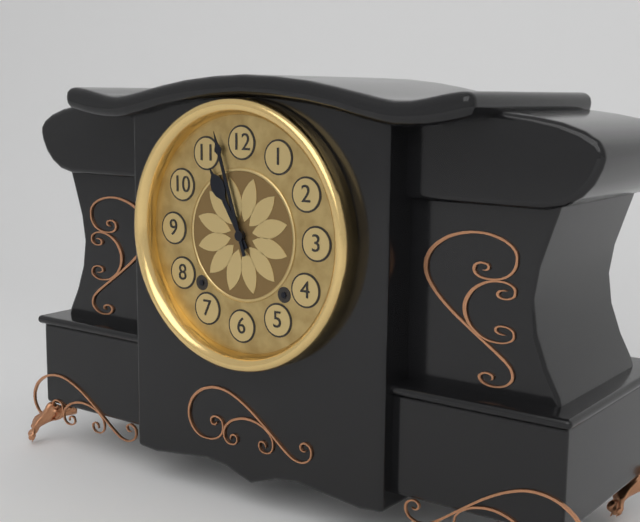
**10:57**
